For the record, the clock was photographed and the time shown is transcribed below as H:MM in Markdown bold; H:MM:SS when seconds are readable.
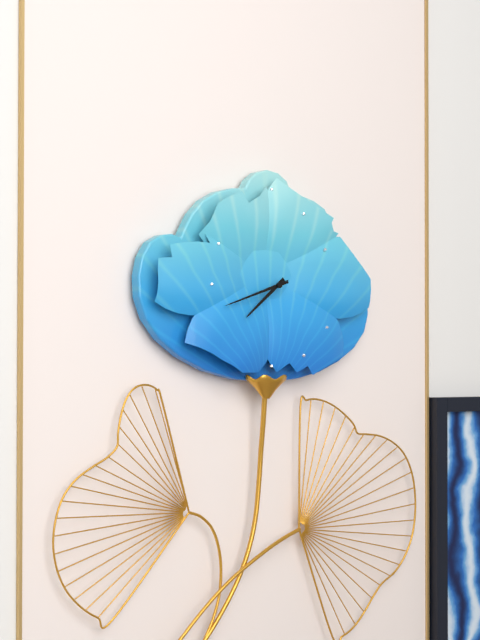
**7:42**
